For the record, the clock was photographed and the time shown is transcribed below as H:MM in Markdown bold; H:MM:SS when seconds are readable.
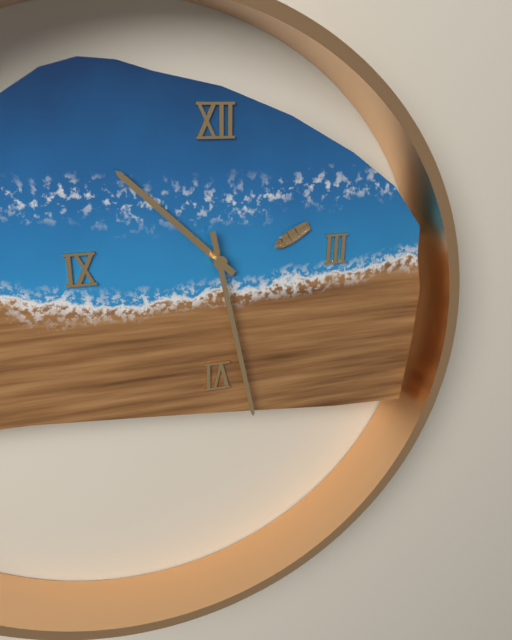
**10:28**
